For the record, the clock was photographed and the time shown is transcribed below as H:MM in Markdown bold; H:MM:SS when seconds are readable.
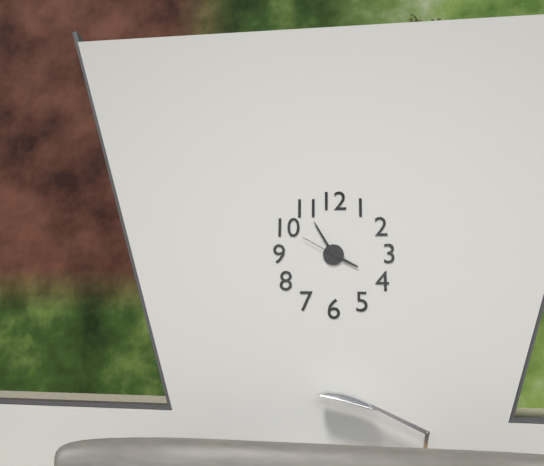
**3:55**
